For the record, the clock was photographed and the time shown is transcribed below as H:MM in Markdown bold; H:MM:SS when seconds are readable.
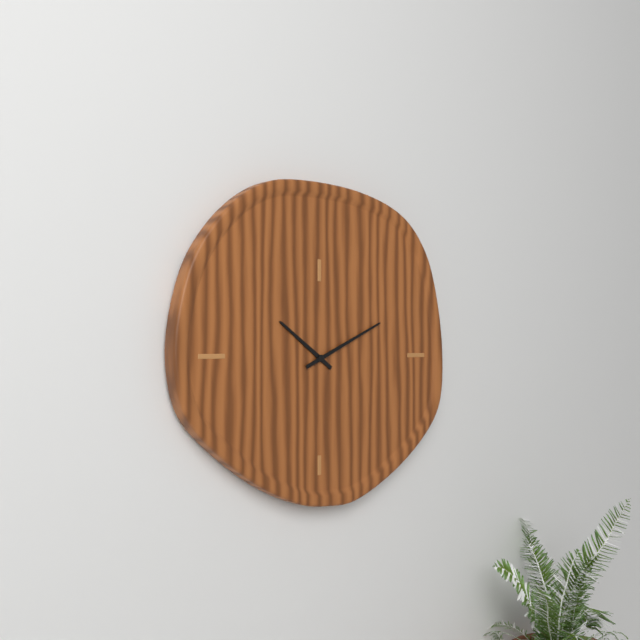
**10:11**
